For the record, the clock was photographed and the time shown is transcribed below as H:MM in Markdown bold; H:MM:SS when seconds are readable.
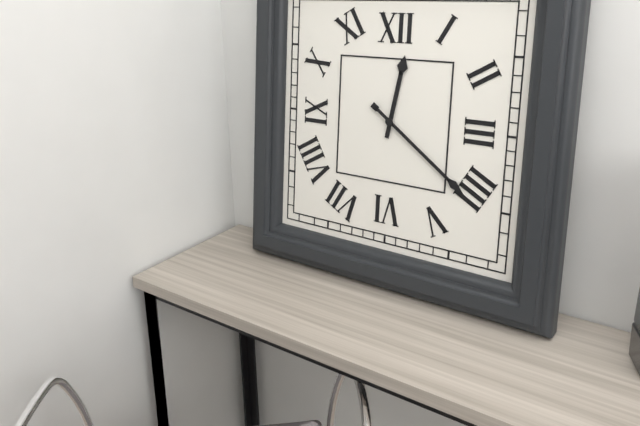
**12:21**
